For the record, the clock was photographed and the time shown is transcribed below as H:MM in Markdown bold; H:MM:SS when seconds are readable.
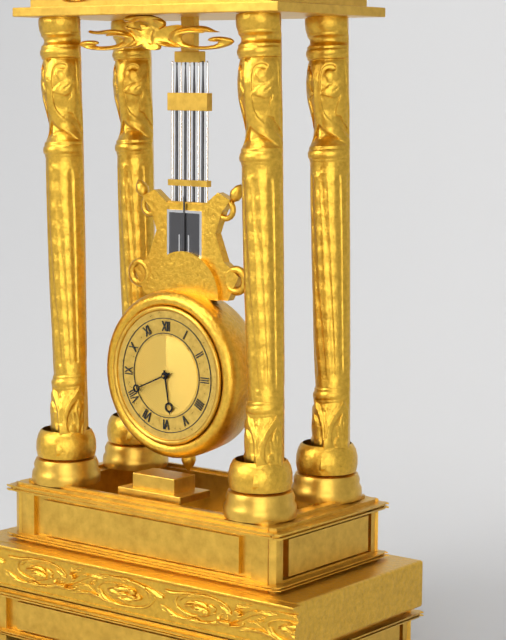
**5:41**
